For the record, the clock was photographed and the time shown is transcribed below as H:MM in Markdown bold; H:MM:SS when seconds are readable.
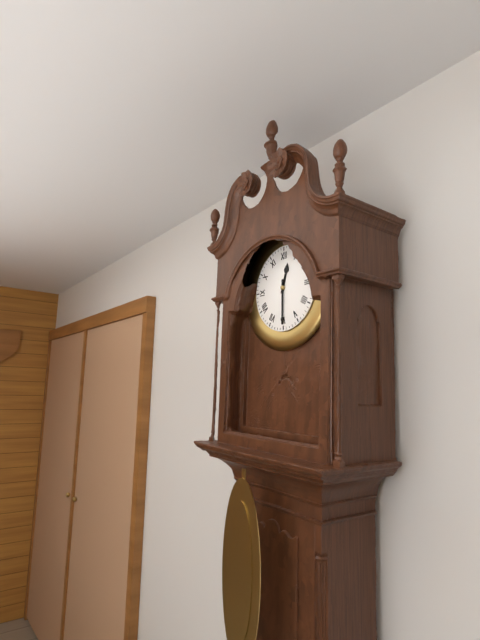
**12:30**
